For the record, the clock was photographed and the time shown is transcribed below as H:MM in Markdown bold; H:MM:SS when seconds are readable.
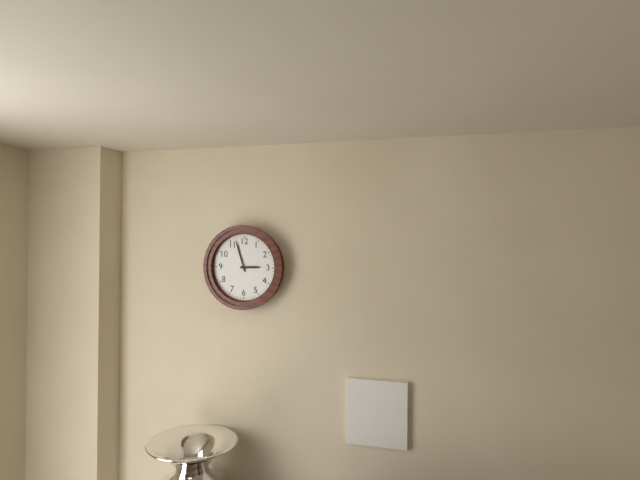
**2:57**
